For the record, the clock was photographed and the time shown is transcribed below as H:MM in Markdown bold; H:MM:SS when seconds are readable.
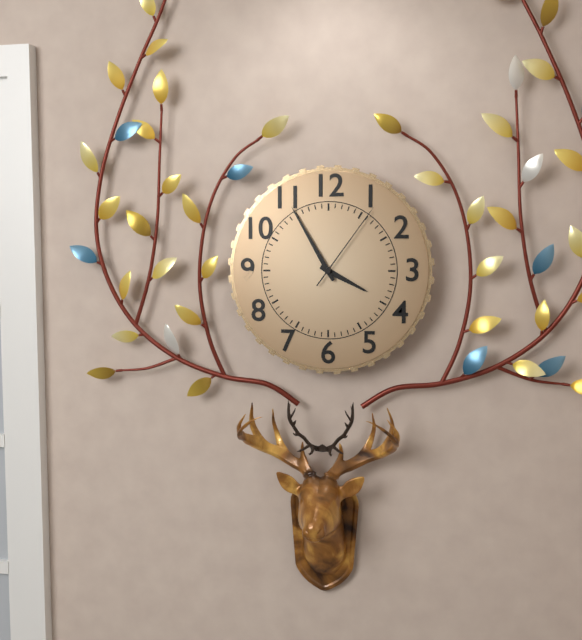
**3:55:06**
